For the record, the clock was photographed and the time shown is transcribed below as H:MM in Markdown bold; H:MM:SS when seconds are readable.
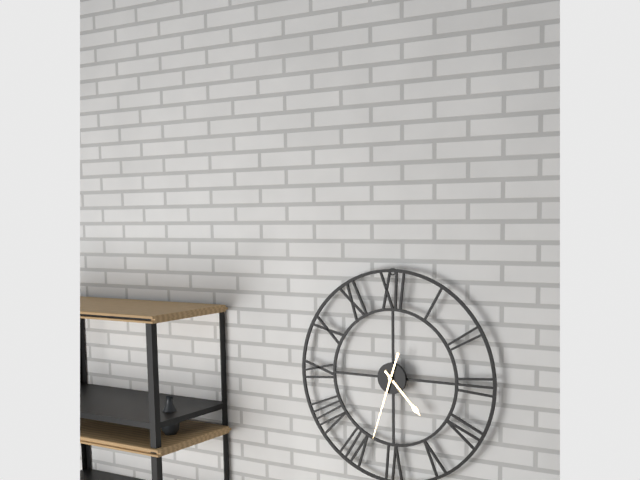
**4:33**
